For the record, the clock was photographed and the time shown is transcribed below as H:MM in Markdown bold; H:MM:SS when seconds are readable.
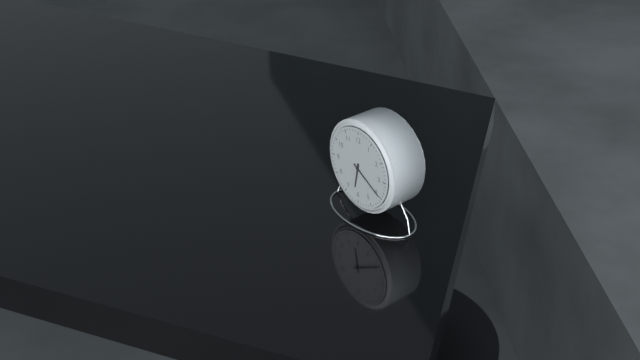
**6:20**
